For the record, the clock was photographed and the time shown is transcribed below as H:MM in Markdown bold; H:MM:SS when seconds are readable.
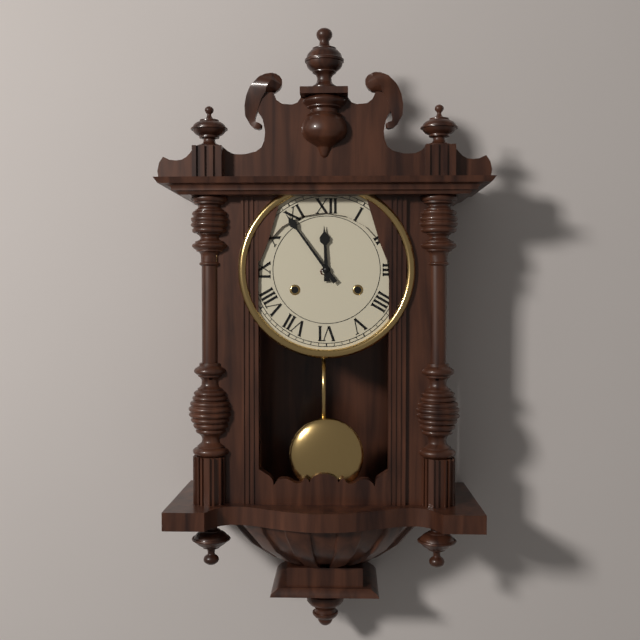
**11:54**
